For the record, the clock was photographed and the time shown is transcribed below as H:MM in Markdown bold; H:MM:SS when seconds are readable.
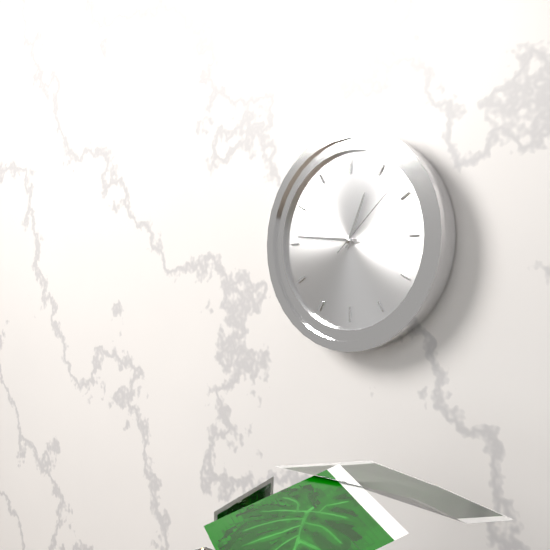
**12:46:08**
